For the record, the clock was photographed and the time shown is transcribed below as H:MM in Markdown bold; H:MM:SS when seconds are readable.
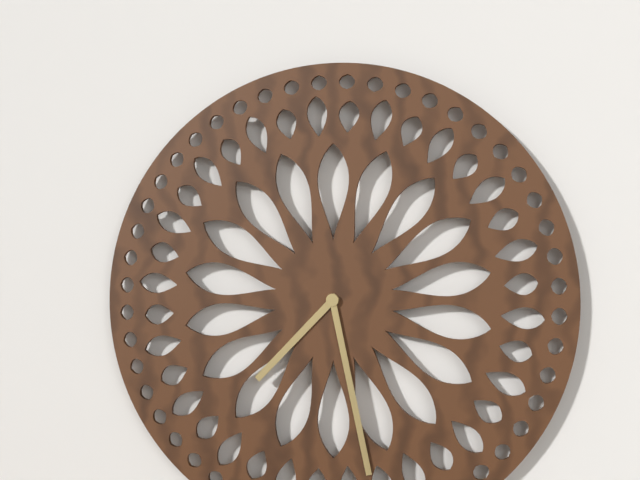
**7:28**
